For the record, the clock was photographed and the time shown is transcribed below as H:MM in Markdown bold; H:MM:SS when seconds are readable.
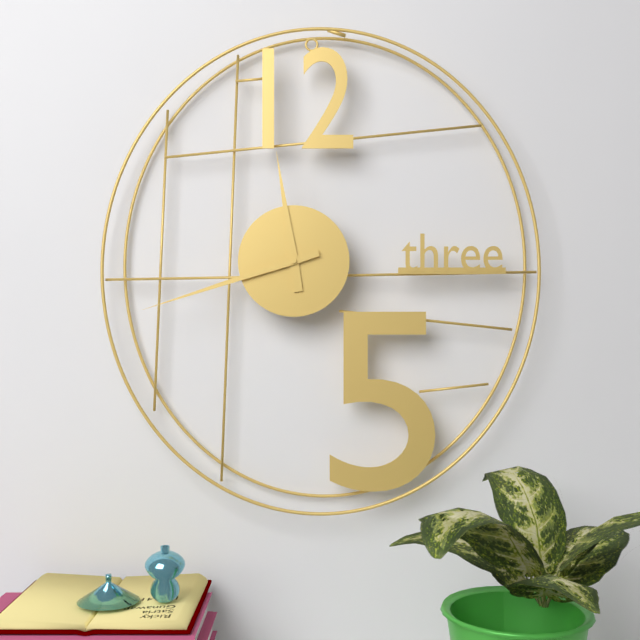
**11:42**
